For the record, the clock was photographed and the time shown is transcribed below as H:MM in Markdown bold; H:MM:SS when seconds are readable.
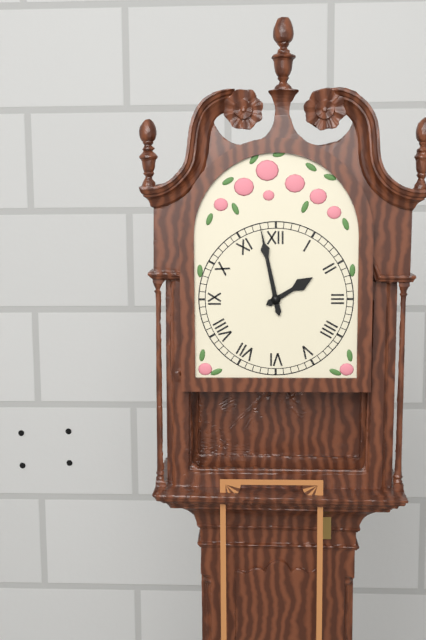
**1:58**
